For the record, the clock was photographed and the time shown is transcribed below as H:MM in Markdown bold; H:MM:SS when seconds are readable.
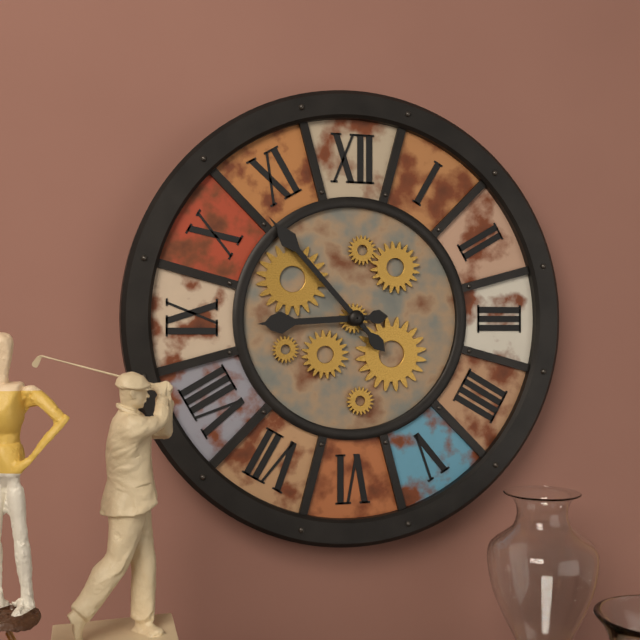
**8:53**
